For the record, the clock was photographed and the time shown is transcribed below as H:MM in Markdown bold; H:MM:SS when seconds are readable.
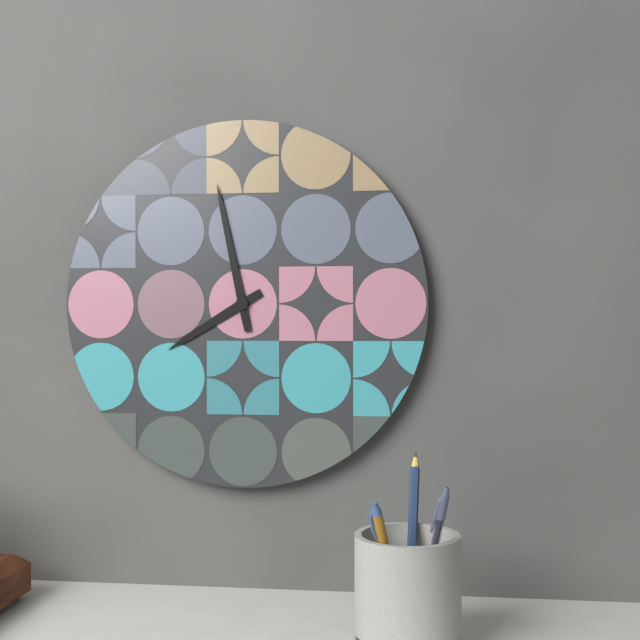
**7:58**
